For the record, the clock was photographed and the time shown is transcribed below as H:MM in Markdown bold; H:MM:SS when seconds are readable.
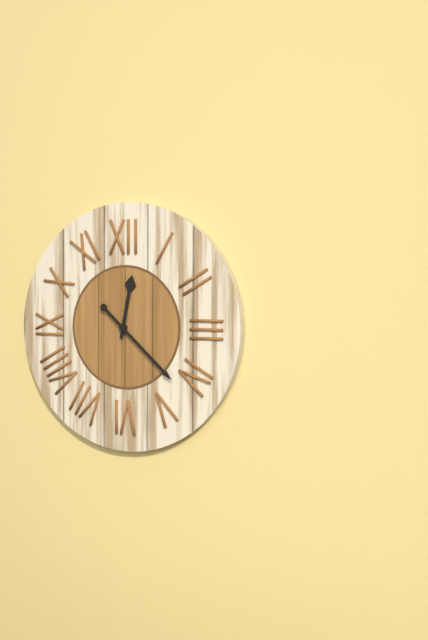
**12:22**
